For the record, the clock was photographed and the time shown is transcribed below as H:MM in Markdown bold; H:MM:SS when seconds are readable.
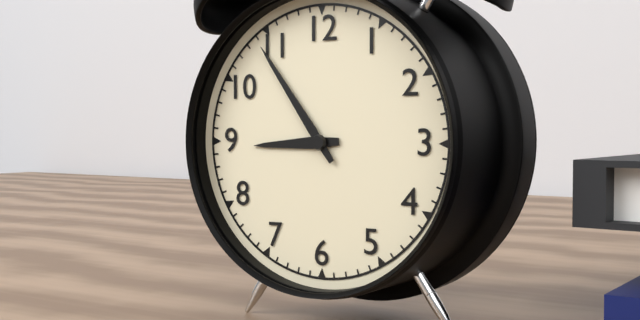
**8:54**
